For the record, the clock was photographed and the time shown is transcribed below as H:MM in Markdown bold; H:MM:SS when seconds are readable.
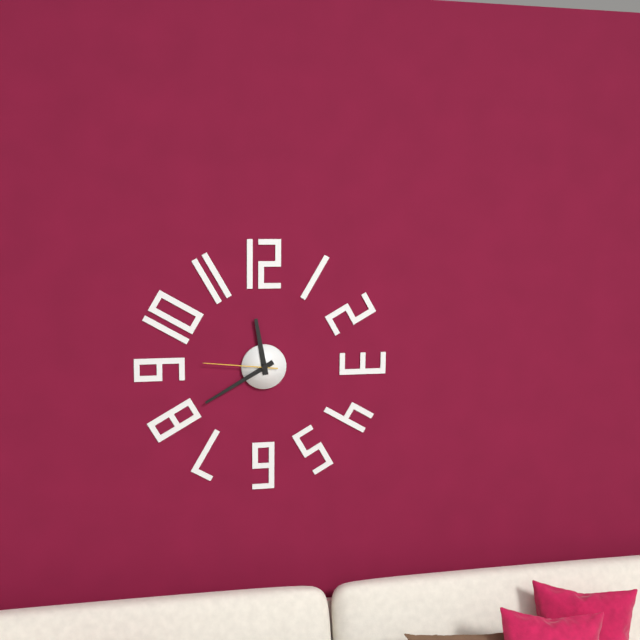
**11:40:46**
